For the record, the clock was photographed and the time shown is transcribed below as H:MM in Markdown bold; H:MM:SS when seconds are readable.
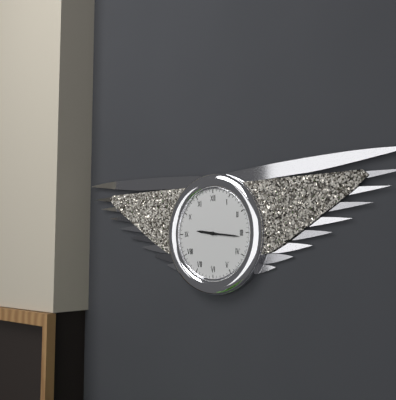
**9:16**
